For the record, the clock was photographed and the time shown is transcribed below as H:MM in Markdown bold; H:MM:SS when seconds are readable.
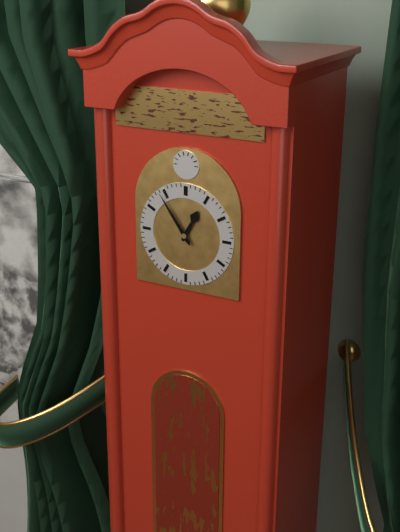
**12:54**
